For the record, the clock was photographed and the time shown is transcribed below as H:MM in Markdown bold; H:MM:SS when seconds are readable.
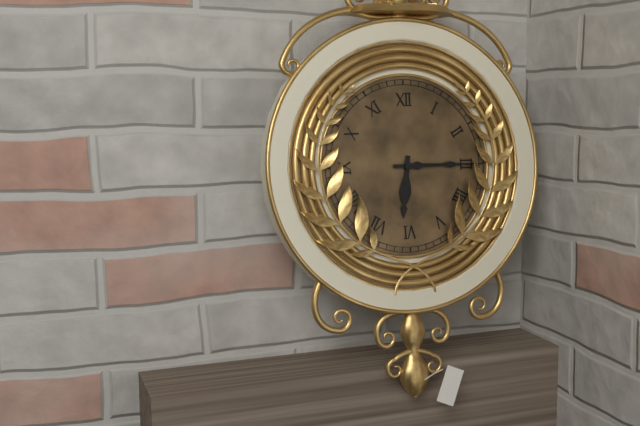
**6:15**
